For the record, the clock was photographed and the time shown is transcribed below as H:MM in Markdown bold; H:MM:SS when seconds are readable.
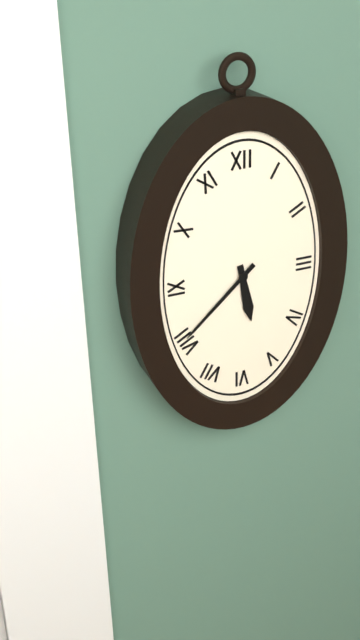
**5:38**
